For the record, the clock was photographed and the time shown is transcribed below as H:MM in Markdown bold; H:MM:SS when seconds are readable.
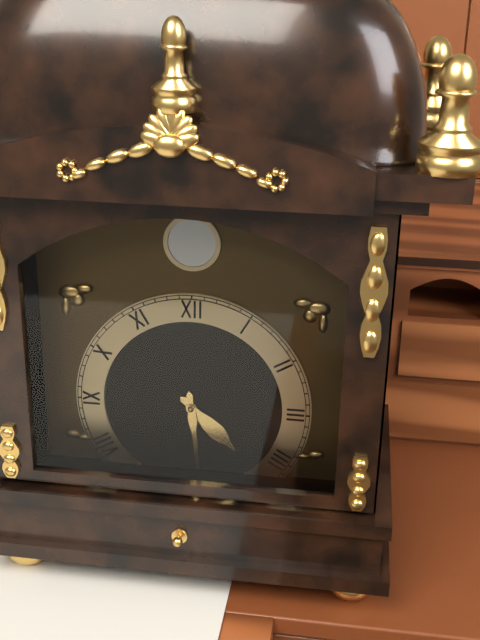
**4:29**
